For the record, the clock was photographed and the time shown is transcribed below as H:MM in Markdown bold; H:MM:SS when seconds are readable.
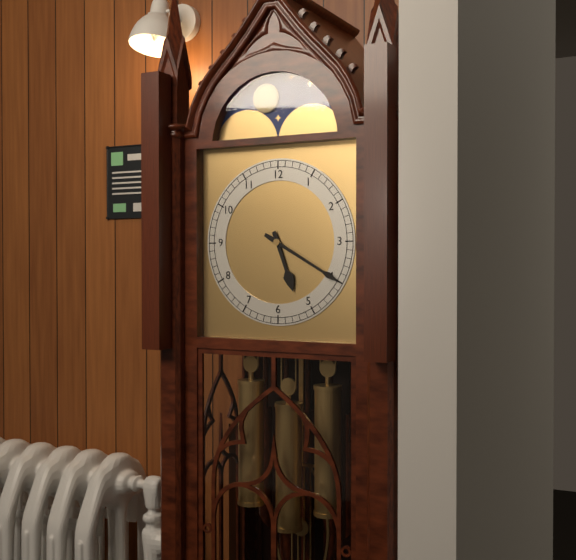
**5:20**
